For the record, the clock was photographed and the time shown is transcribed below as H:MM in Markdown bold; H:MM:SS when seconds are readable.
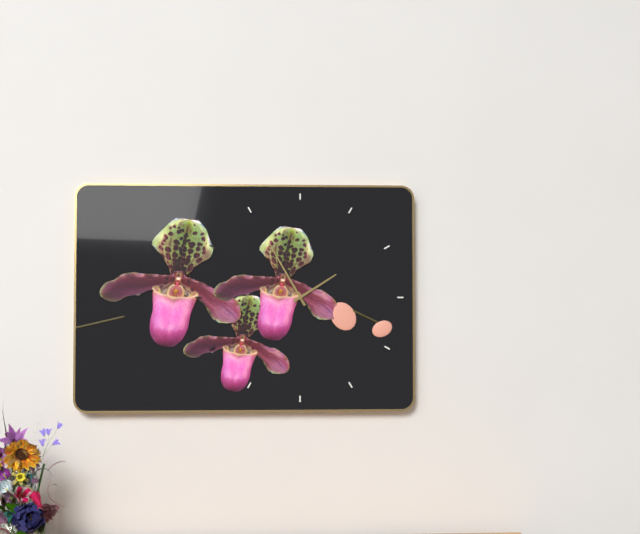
**1:55**
